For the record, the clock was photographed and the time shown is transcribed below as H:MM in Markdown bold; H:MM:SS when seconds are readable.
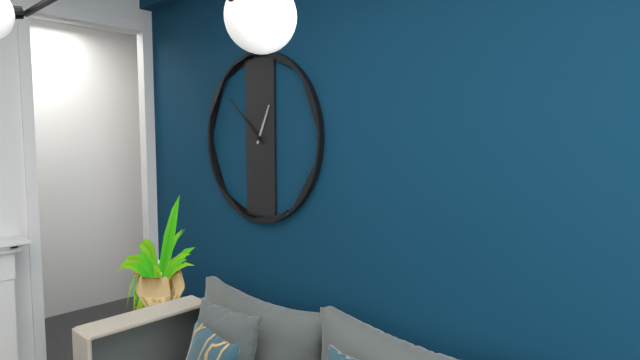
**12:52**
